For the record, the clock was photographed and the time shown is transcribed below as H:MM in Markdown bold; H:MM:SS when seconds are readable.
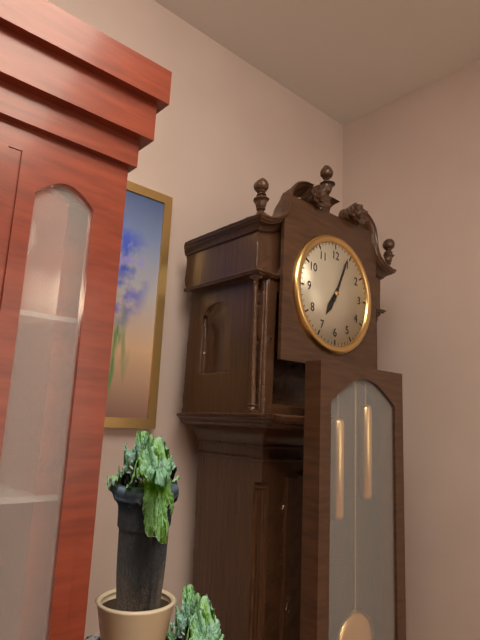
**7:04**
